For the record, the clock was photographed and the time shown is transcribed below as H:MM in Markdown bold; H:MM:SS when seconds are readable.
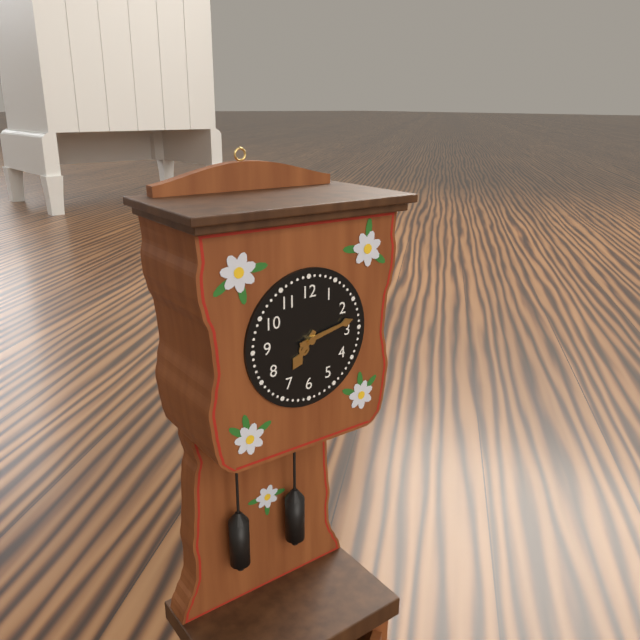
**7:13**
